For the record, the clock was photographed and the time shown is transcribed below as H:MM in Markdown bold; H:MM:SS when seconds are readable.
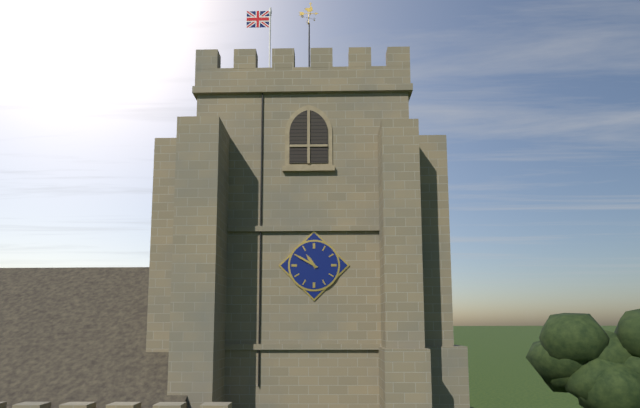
**10:50**
